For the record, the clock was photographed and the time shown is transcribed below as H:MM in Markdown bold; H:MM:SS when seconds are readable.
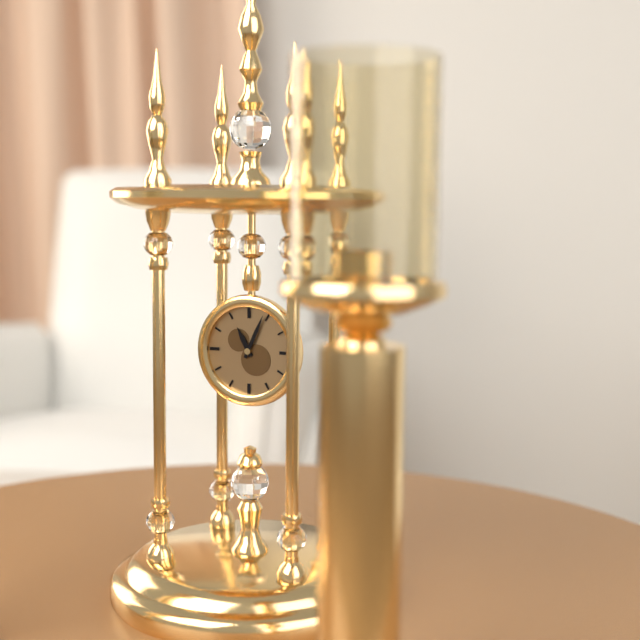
**11:04**
